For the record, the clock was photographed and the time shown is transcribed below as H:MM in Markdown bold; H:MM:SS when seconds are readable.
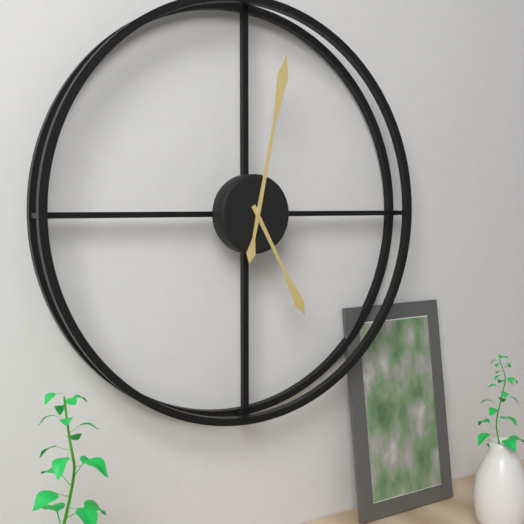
**5:02**
